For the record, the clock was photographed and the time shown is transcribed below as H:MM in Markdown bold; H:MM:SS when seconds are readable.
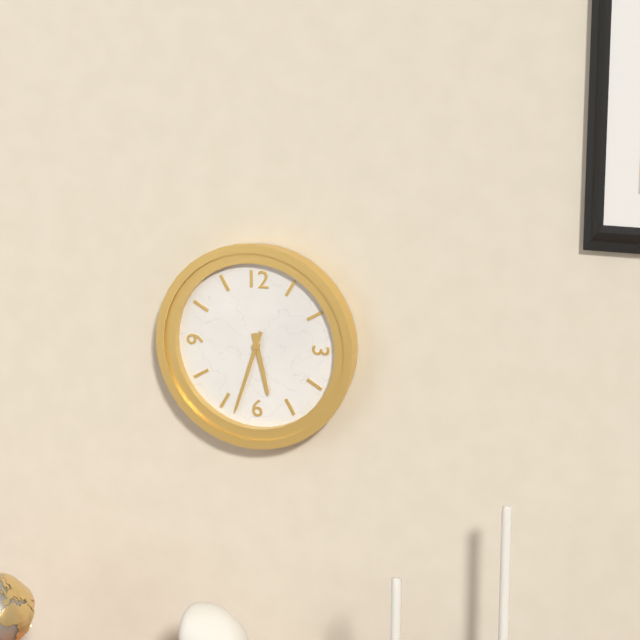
**5:33**
